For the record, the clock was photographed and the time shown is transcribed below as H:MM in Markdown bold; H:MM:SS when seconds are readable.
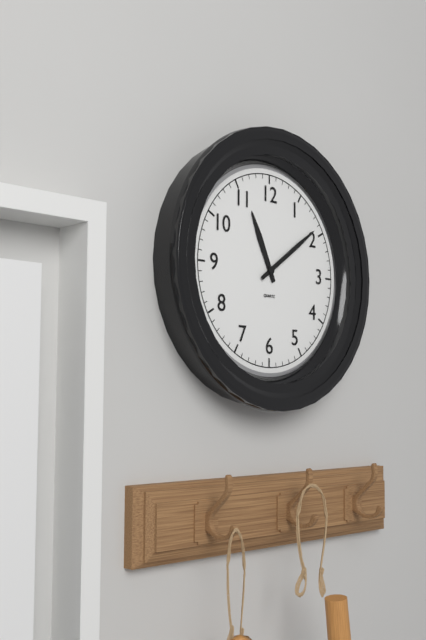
**11:09**
